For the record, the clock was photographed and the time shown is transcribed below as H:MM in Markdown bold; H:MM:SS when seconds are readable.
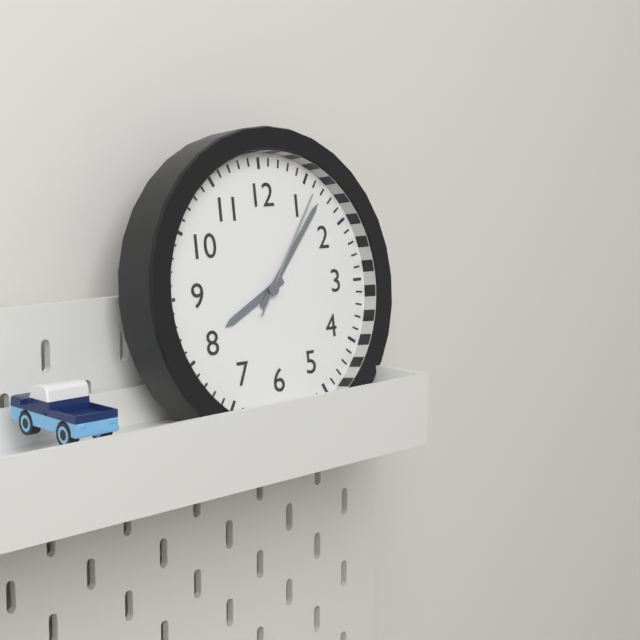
**8:07:06**
